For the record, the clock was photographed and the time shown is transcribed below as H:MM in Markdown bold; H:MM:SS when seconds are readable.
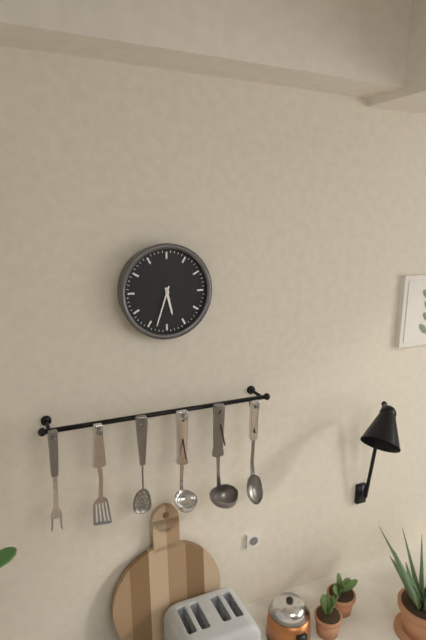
**5:33**
